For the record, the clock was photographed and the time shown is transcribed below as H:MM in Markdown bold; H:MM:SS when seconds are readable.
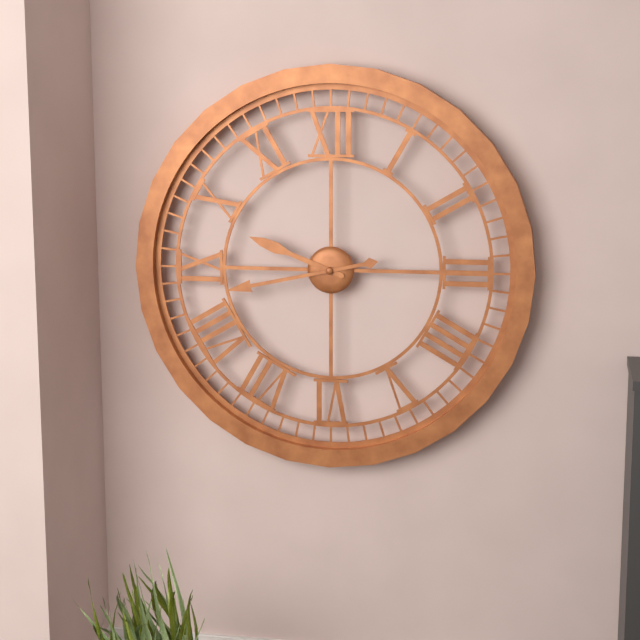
**9:43**
